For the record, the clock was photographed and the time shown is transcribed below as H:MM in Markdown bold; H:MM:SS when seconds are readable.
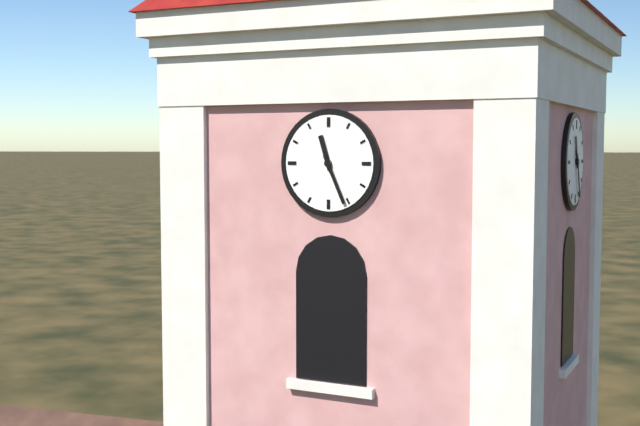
**11:26**
